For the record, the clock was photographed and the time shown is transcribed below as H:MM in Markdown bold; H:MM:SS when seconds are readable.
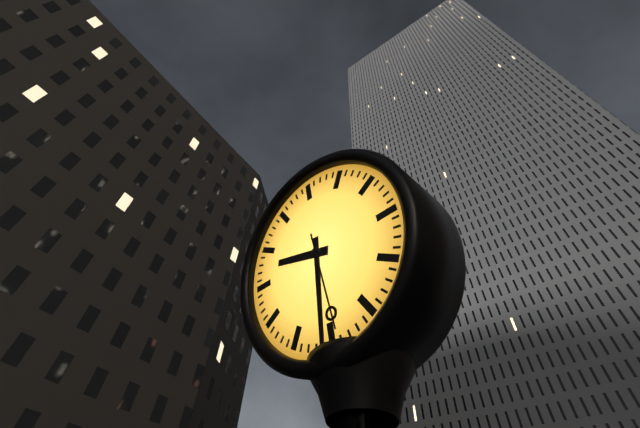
**9:31:29**
